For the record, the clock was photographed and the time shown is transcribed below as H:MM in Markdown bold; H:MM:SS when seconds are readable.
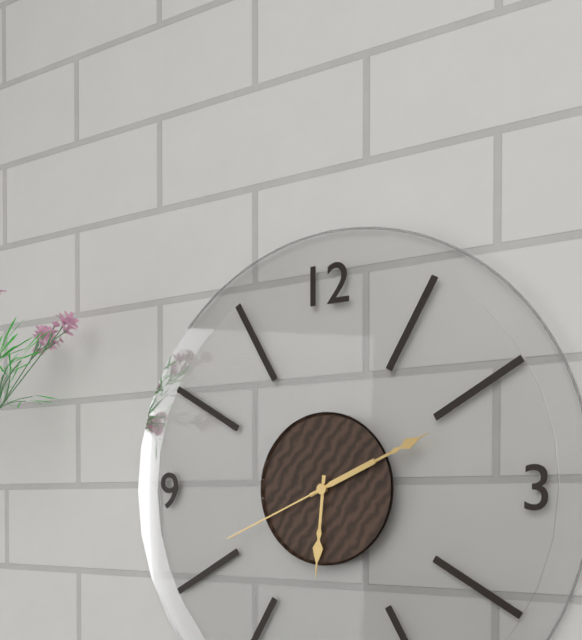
**6:11:41**
